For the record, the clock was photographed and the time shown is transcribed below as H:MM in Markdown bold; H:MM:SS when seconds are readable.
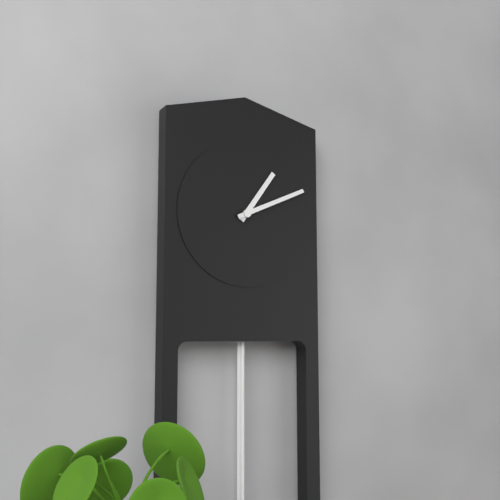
**1:11**
